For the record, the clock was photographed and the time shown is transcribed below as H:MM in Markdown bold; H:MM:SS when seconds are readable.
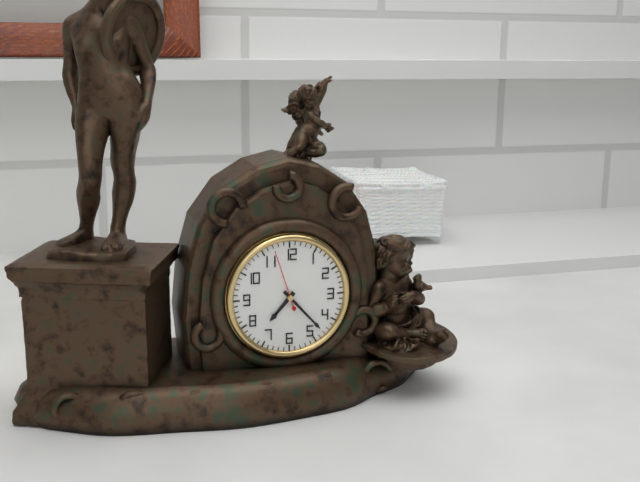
**7:23:57**
